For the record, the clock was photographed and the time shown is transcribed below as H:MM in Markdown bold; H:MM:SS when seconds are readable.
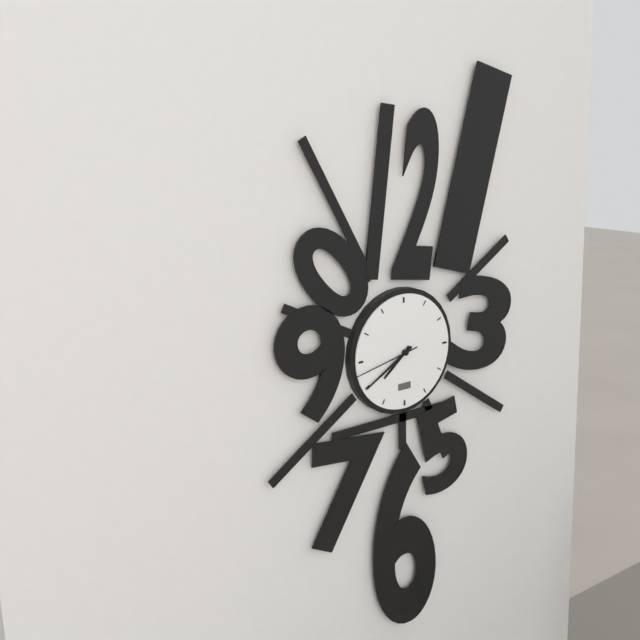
**7:40:43**
